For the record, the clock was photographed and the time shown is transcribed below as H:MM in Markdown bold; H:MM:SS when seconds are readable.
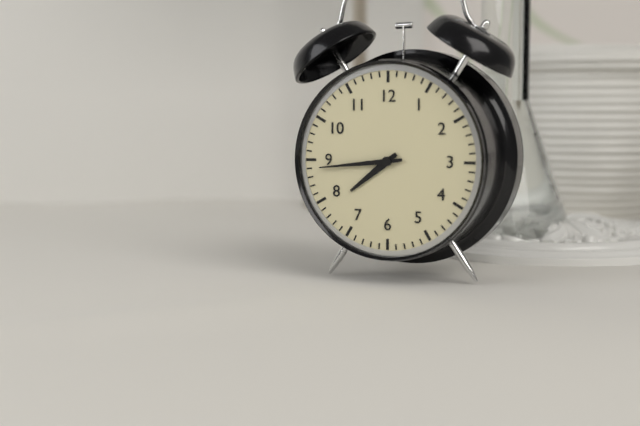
**7:44**
